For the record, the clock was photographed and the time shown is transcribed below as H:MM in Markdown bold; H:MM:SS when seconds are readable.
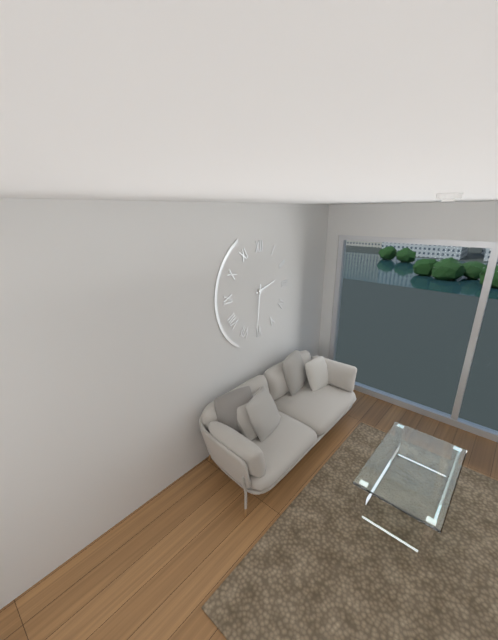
**2:31**
